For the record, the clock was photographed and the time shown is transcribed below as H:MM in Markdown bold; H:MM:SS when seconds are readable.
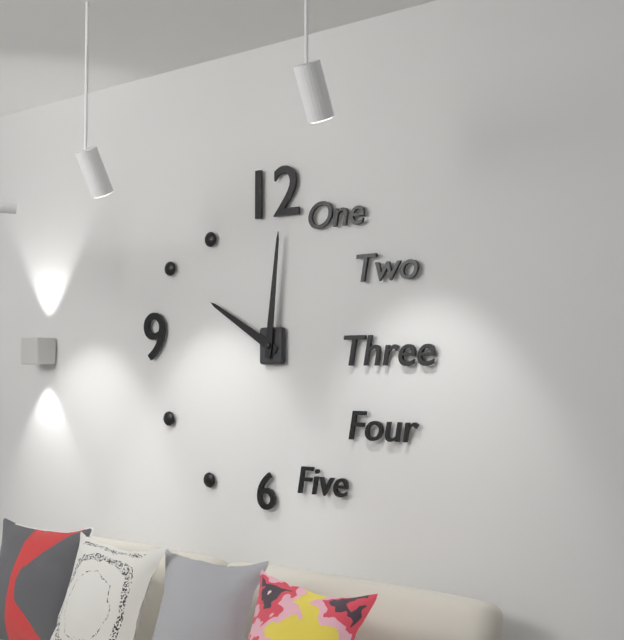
**10:01**
